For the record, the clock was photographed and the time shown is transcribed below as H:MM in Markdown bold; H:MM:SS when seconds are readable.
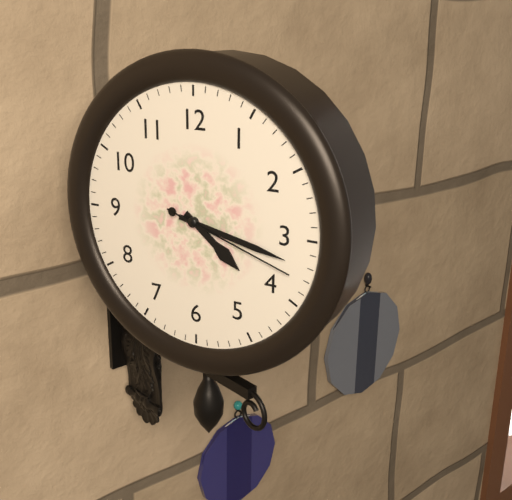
**4:17:18**
